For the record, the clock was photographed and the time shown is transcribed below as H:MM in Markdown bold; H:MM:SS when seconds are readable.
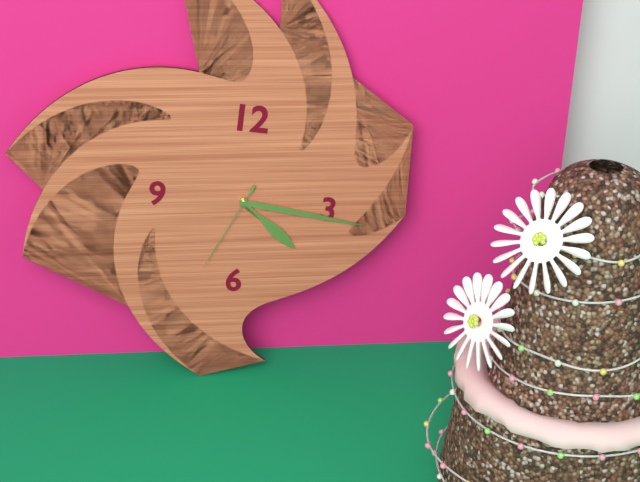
**4:16:34**
